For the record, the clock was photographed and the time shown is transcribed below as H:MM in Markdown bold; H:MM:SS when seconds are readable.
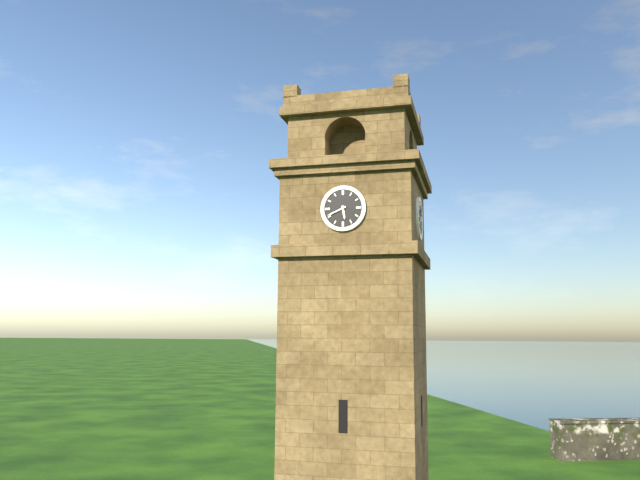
**5:41**
